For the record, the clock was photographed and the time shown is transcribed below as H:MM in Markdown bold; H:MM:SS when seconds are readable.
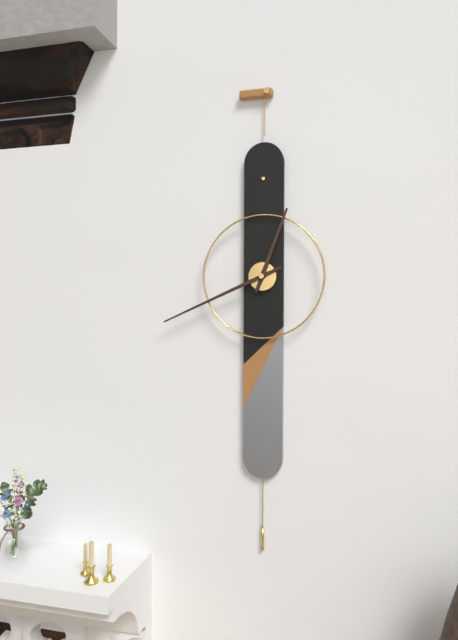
**12:41**
